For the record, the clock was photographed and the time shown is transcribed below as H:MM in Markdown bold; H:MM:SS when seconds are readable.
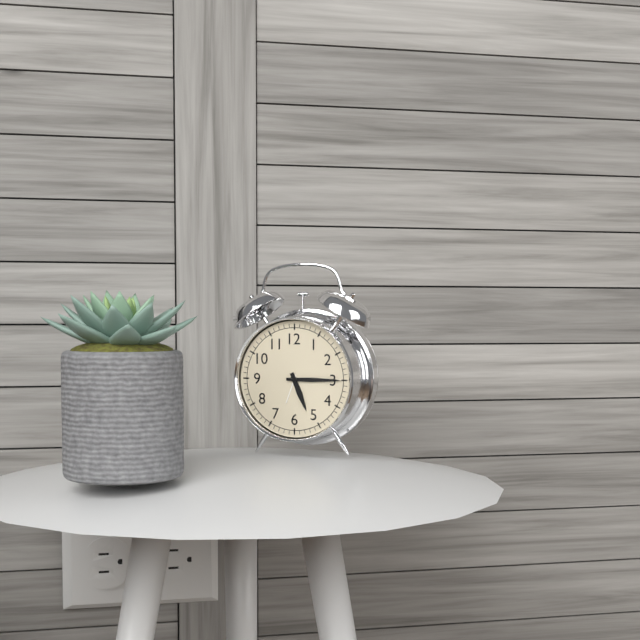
**5:15**
